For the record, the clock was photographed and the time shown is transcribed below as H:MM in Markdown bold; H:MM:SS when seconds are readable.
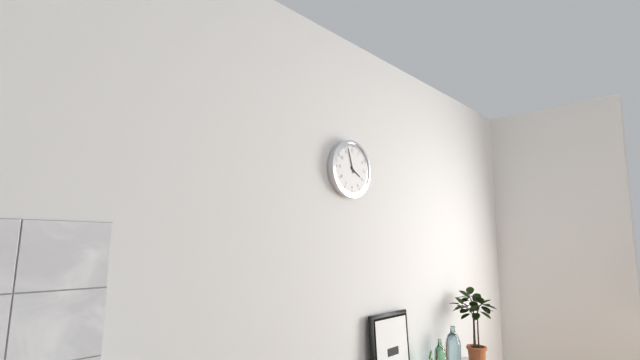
**3:57**
